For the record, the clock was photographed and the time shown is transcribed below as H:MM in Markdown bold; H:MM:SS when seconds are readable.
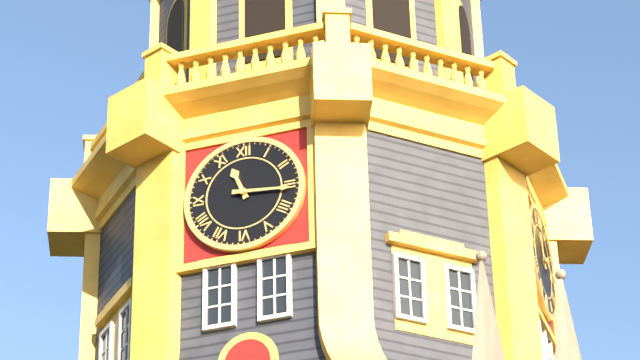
**11:16**
